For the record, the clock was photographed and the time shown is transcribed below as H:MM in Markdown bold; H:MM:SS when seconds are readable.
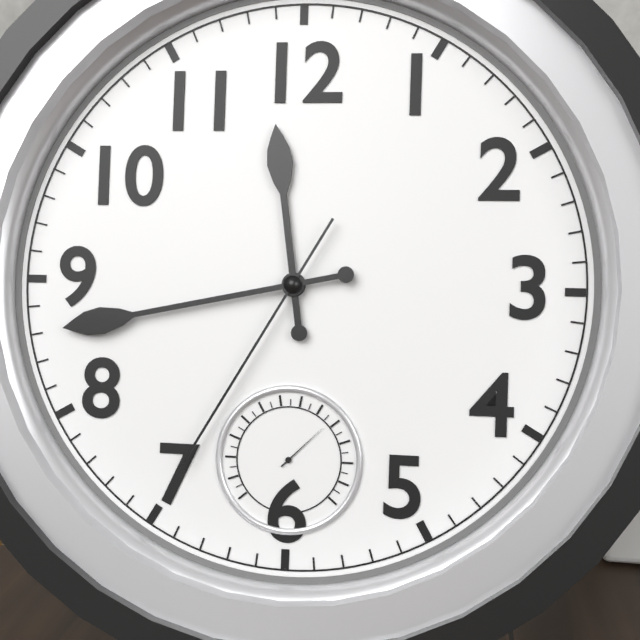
**11:43:35**
